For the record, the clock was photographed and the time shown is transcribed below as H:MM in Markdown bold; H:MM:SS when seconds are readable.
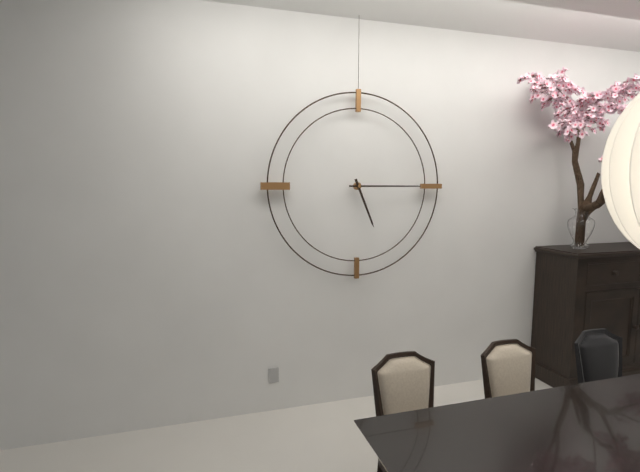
**5:15**
